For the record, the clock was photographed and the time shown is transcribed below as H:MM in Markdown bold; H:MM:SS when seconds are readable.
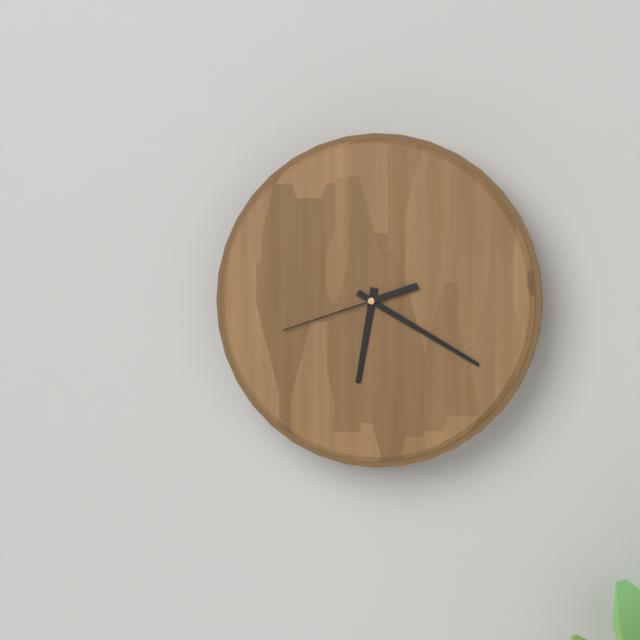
**6:20:42**
